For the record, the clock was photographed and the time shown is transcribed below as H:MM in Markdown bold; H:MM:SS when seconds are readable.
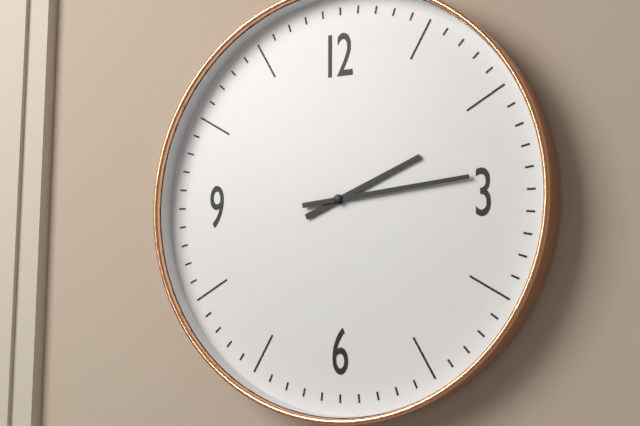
**2:14**
